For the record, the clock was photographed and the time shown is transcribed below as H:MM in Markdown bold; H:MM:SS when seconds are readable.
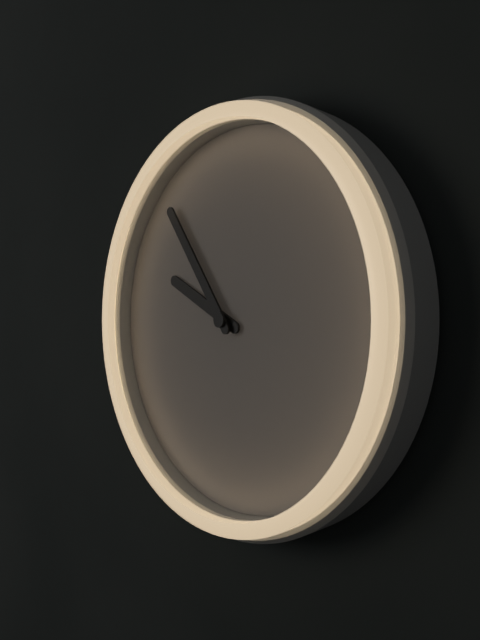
**9:54**
